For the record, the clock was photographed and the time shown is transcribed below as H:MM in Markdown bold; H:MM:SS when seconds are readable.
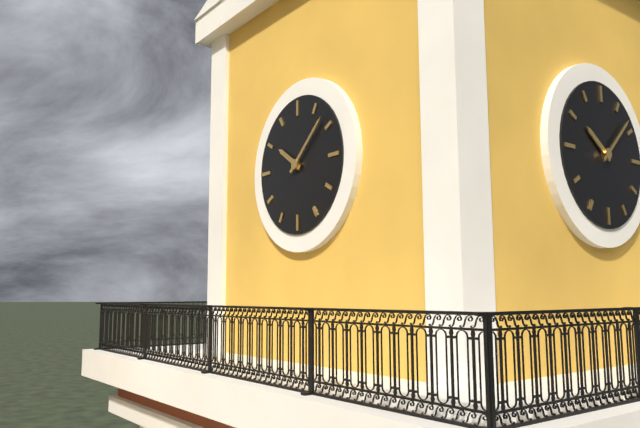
**10:08**
